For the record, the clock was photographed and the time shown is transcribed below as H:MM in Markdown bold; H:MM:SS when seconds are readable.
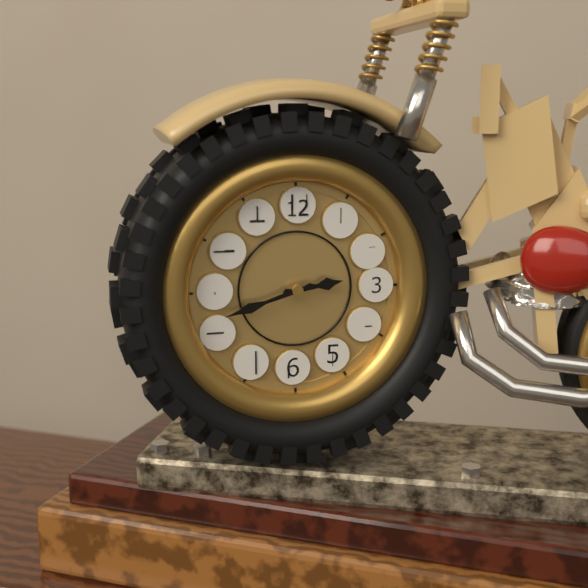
**2:42**
